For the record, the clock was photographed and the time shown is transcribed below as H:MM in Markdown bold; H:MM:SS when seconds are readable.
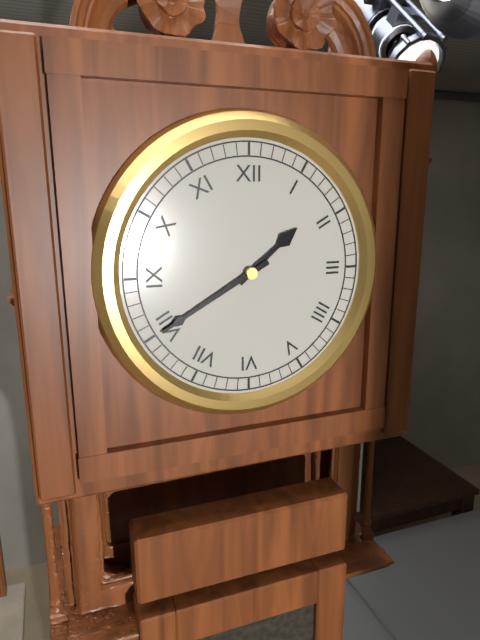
**1:40**
